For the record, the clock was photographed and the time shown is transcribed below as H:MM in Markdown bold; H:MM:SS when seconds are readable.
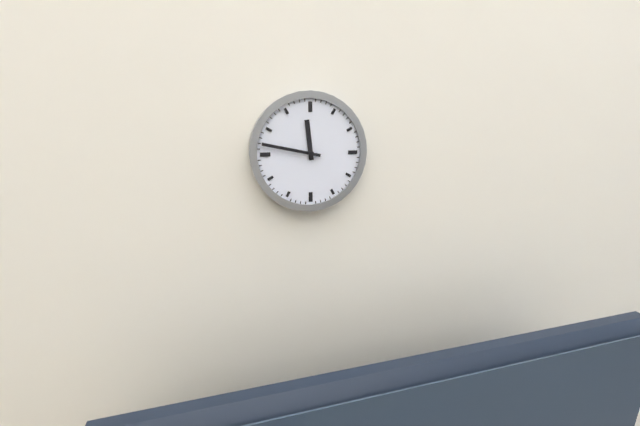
**11:47**
